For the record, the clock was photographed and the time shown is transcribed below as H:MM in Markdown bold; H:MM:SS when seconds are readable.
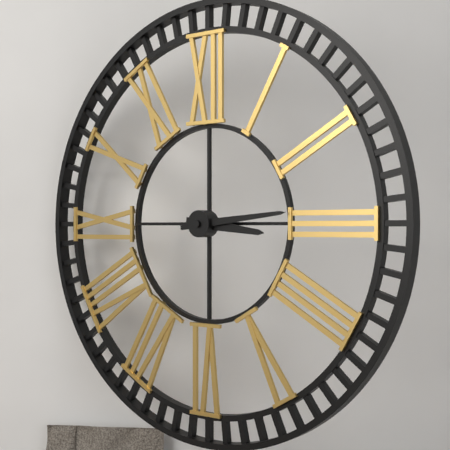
**3:14**
